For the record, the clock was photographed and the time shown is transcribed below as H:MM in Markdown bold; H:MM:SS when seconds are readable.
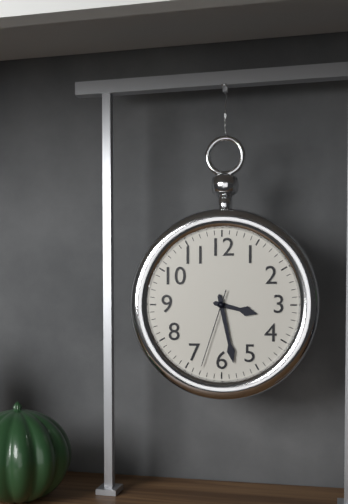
**3:28:33**
